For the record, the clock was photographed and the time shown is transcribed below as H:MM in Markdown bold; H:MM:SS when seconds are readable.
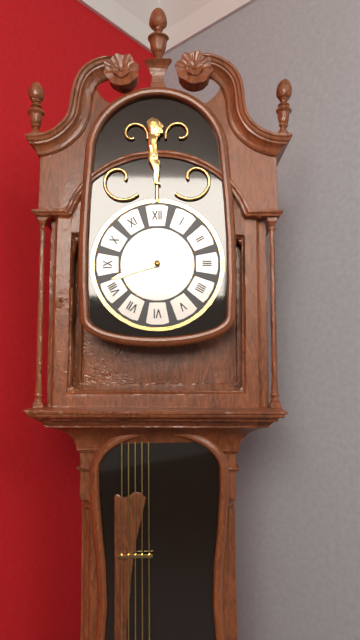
**8:42**
